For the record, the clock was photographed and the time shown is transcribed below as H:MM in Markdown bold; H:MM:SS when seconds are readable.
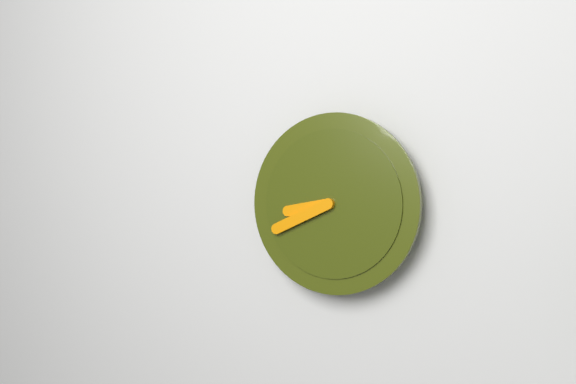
**8:41**
